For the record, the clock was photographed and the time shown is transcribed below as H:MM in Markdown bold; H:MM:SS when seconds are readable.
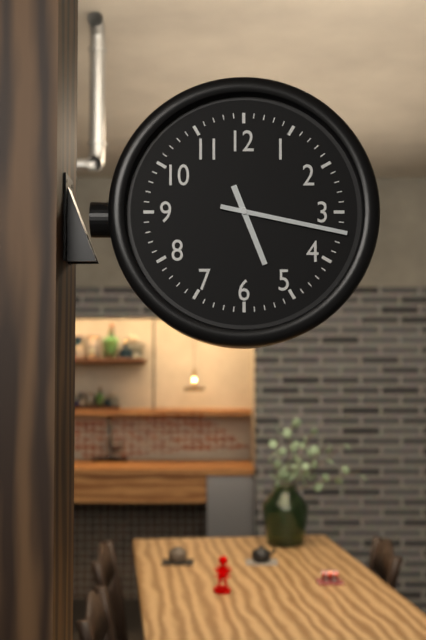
**5:17**
